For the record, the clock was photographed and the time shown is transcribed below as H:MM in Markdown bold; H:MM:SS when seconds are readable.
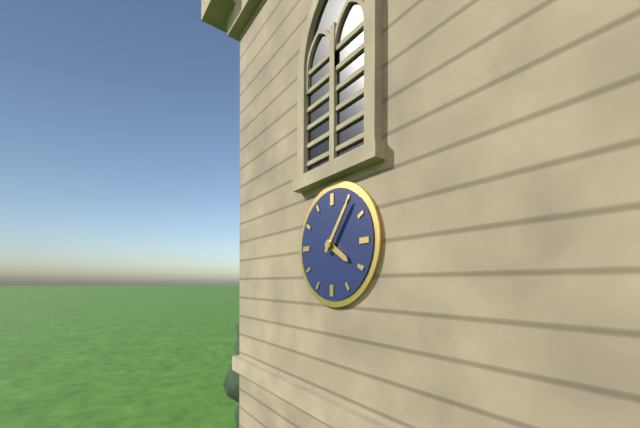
**4:06**
